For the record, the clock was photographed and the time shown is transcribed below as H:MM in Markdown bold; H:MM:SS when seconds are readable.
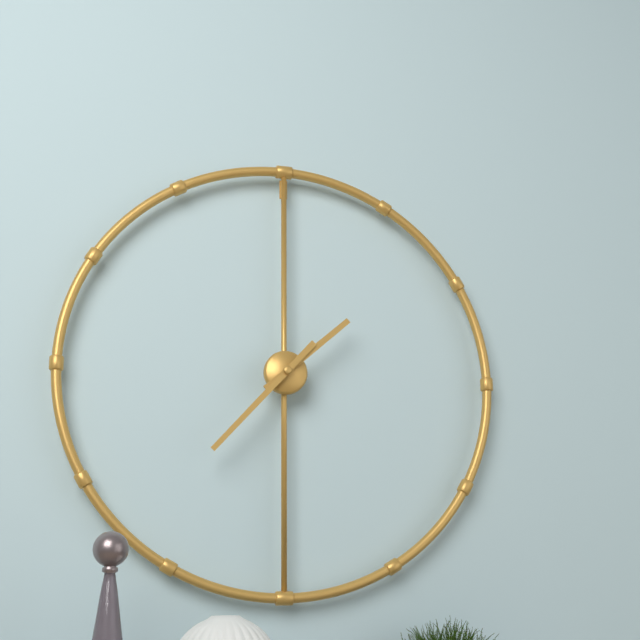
**1:37**
